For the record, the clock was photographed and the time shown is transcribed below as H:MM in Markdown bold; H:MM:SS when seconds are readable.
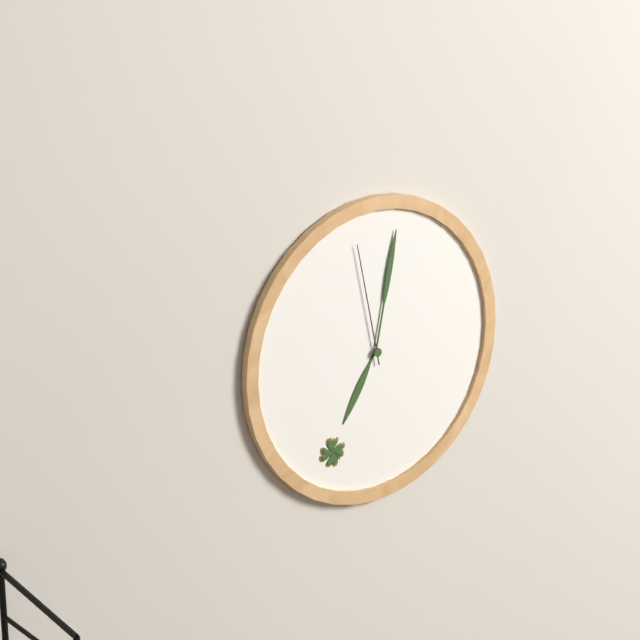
**7:02:58**
